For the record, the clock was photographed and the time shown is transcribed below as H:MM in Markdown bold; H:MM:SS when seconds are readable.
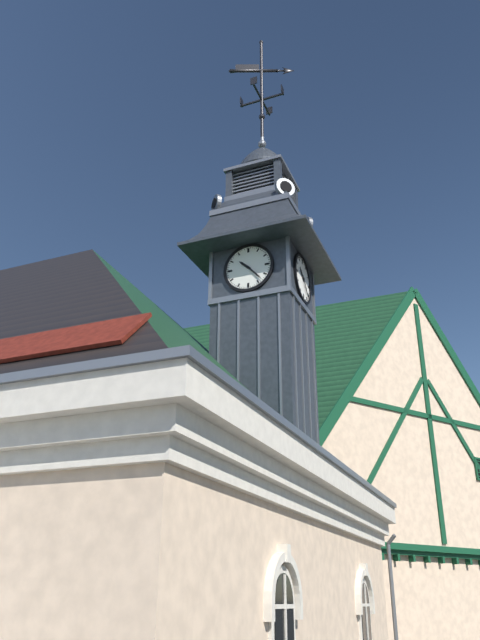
**10:23**
